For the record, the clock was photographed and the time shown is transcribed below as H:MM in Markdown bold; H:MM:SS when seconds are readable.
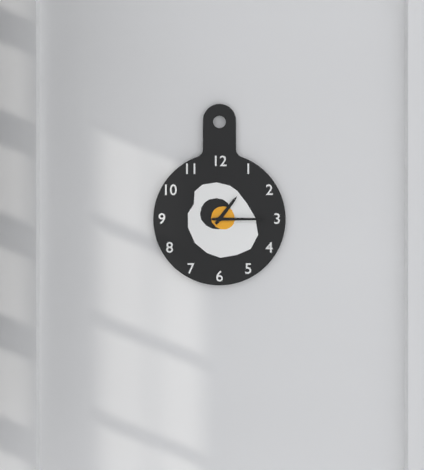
**1:15**
